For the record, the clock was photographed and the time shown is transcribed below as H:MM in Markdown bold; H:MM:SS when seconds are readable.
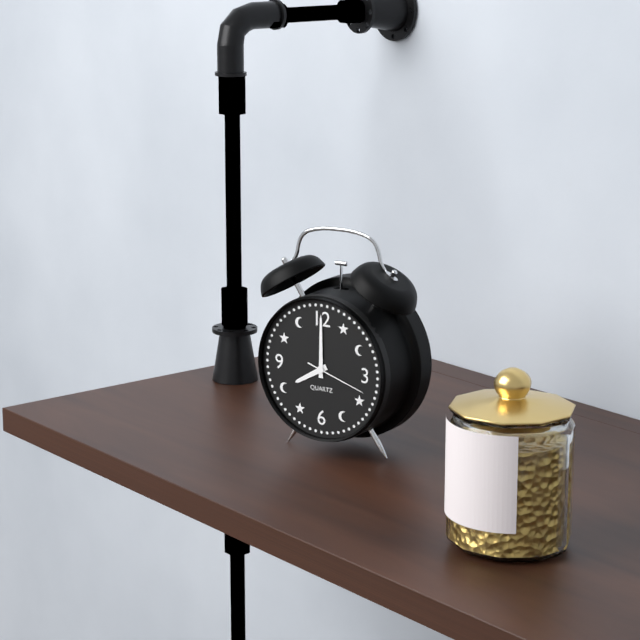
**8:00:18**
